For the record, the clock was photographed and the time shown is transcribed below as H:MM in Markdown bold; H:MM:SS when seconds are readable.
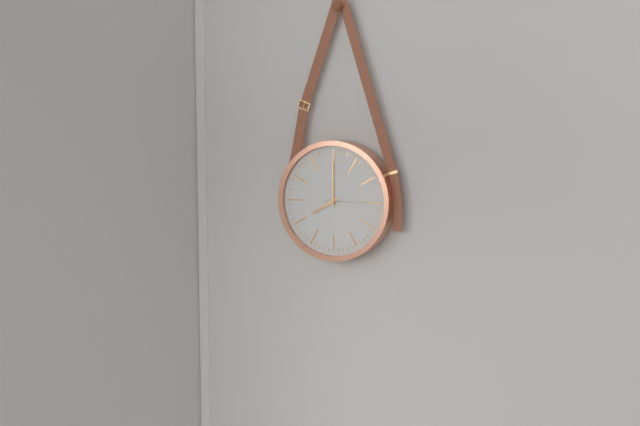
**8:00**
